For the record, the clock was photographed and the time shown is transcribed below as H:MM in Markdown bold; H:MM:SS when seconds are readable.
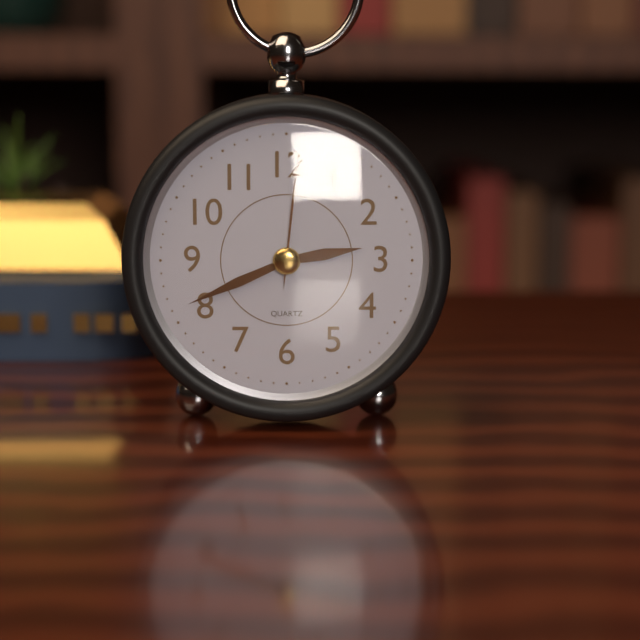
**2:41:01**
